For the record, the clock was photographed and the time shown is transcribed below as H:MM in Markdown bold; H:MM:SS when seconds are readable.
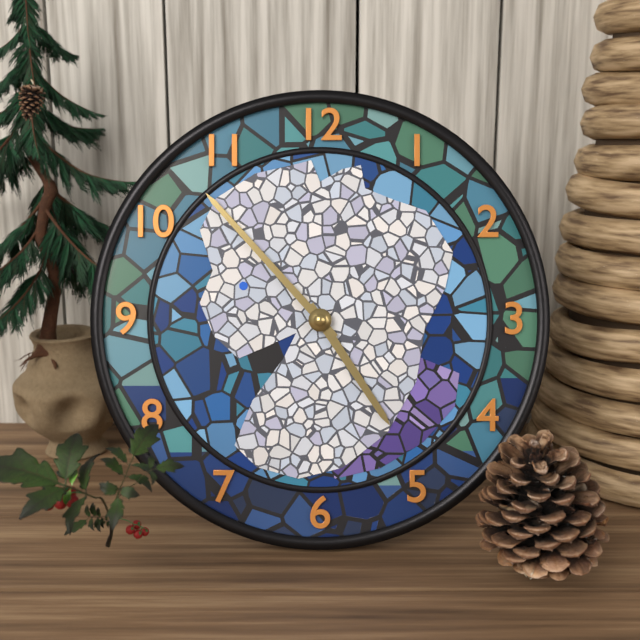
**4:53**
